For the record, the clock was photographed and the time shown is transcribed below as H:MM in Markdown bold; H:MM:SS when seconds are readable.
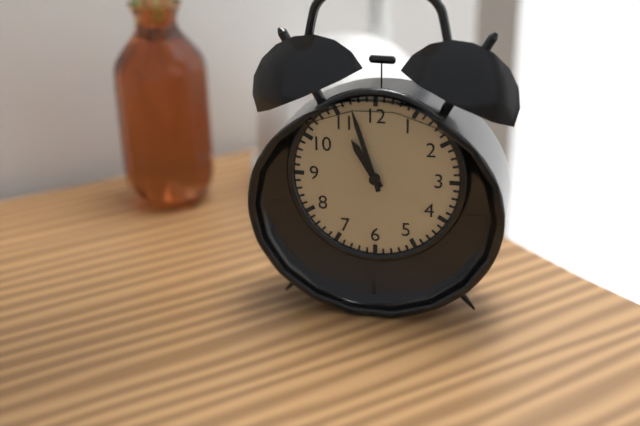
**10:57**
